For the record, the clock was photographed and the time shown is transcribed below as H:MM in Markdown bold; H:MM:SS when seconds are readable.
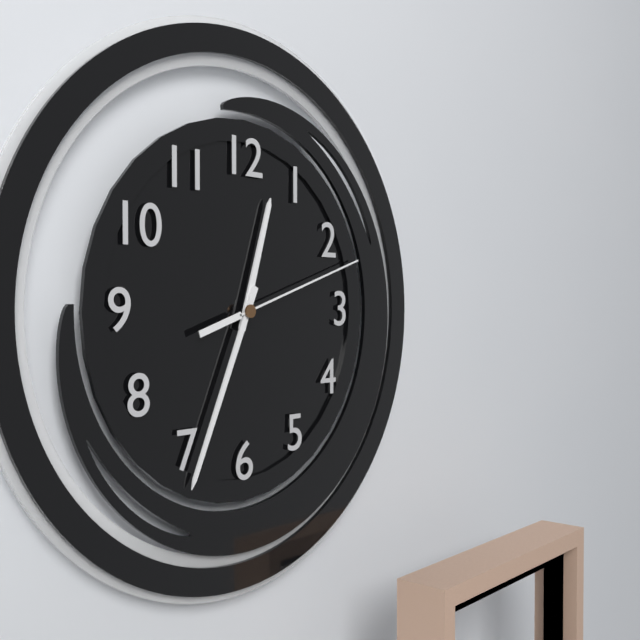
**12:34:12**
